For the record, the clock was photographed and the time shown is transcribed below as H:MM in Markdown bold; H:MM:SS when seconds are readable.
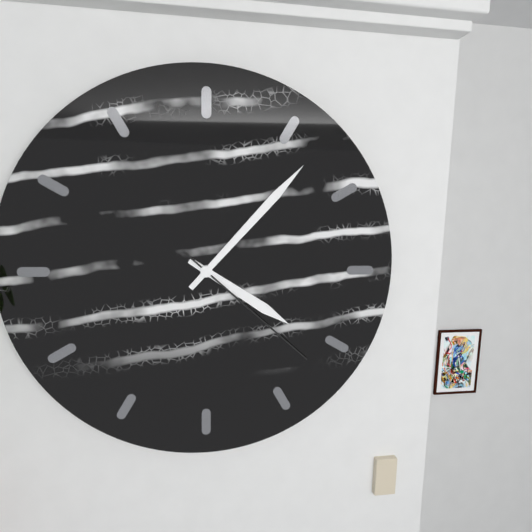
**4:07:22**
